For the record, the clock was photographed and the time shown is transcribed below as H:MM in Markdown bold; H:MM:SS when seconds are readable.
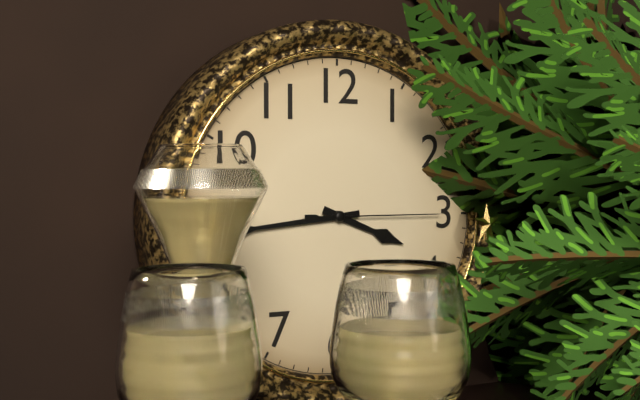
**3:44:15**
